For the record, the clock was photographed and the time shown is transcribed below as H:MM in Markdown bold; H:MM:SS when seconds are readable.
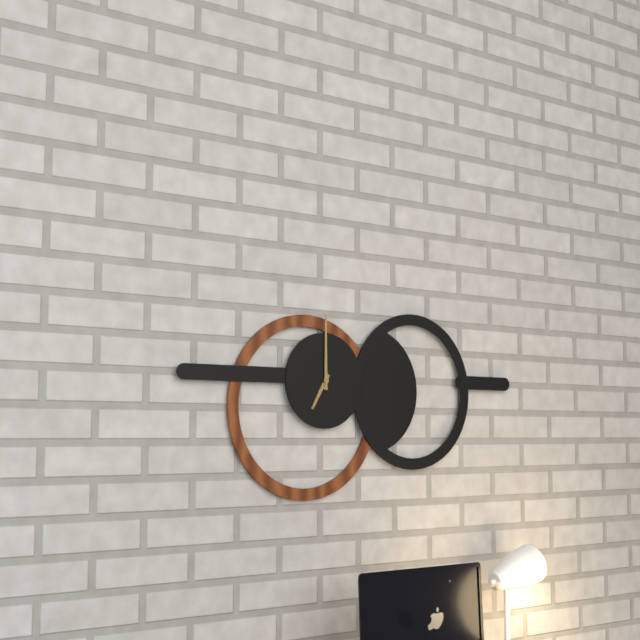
**7:00**
